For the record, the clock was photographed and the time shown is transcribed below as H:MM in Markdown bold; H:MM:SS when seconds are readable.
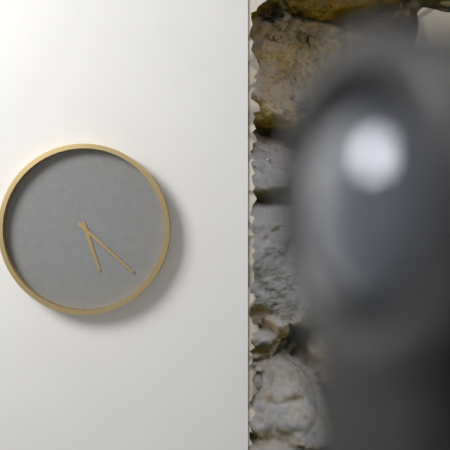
**5:22**
